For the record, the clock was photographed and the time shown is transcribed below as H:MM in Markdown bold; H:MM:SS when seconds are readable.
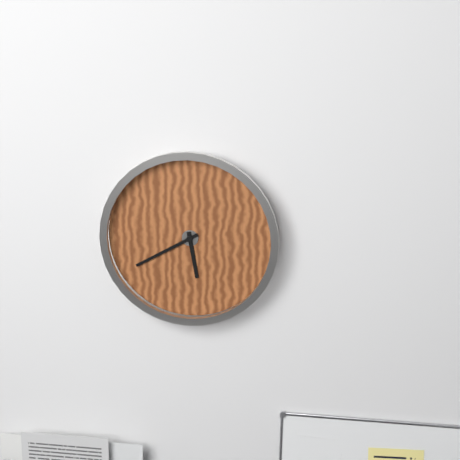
**5:40**
